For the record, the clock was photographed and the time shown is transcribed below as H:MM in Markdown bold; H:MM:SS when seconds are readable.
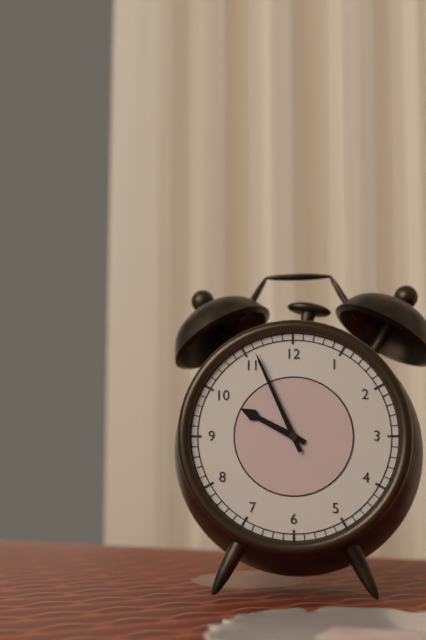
**9:56**
